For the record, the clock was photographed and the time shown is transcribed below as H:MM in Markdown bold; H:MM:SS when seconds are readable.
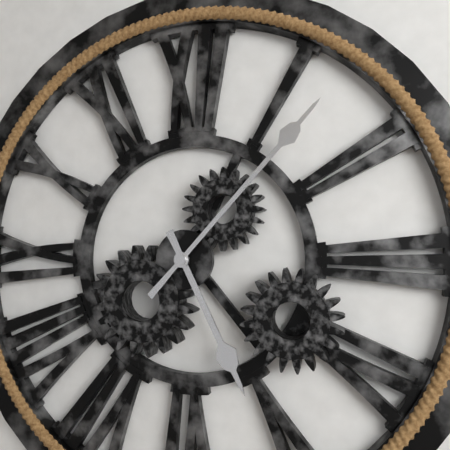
**5:07**
